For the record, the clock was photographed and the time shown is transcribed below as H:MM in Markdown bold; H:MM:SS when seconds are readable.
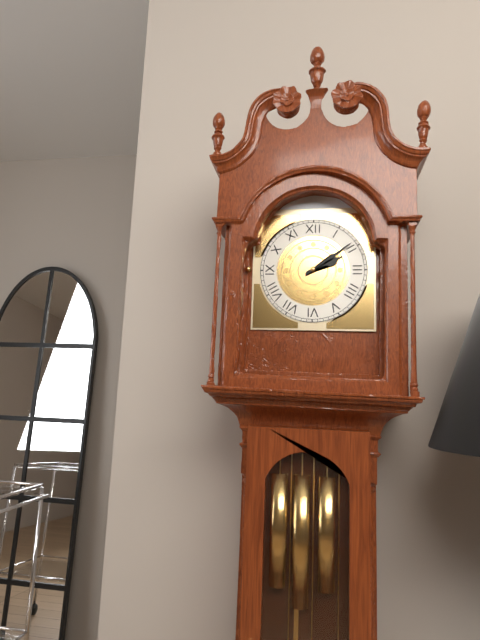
**2:09**
